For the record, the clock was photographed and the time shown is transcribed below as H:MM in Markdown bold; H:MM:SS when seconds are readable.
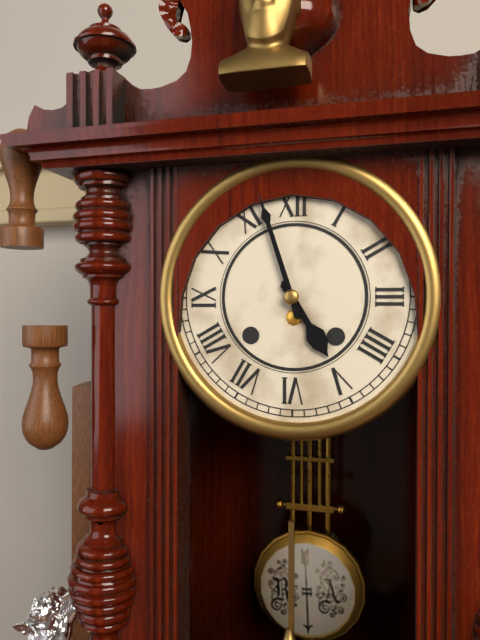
**4:57**
